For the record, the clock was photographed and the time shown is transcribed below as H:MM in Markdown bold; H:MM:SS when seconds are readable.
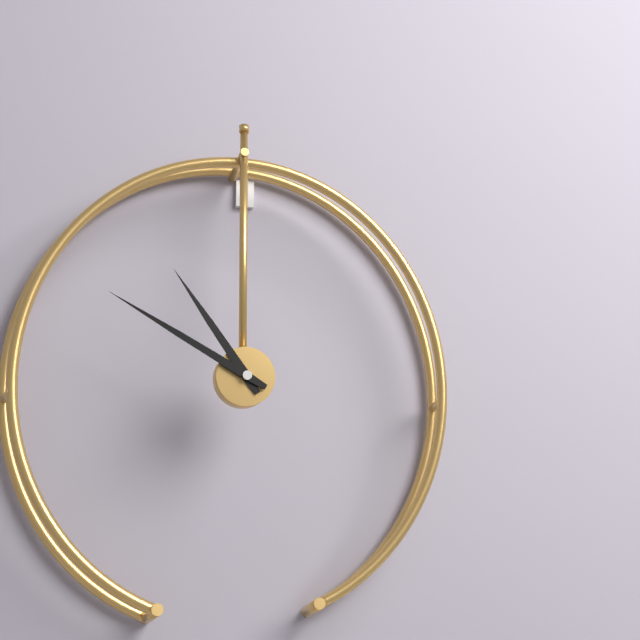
**10:50**
